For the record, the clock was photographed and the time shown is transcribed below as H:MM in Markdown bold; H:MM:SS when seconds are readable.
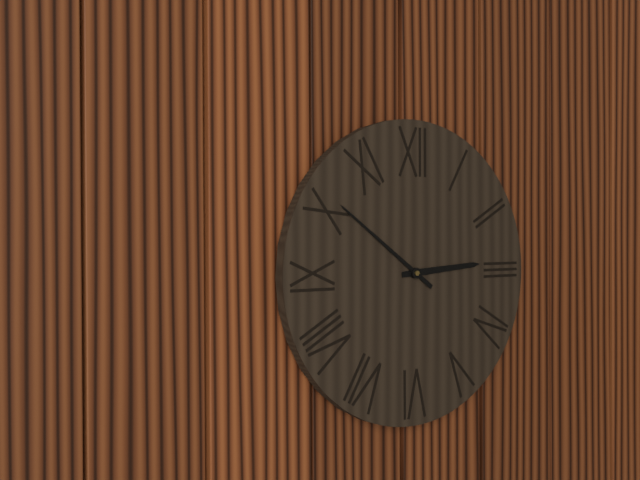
**2:51**
